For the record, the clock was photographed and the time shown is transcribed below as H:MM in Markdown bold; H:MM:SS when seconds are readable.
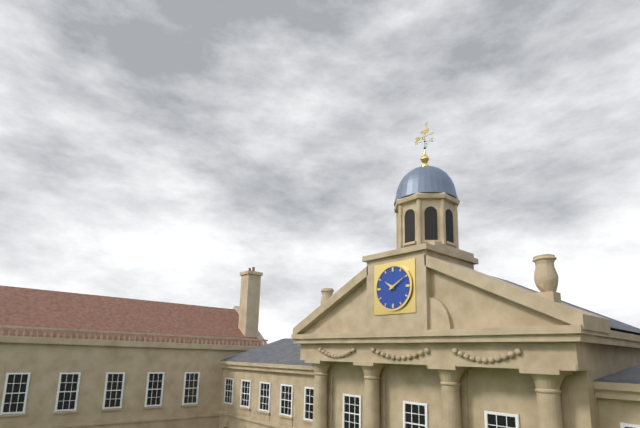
**10:10**
